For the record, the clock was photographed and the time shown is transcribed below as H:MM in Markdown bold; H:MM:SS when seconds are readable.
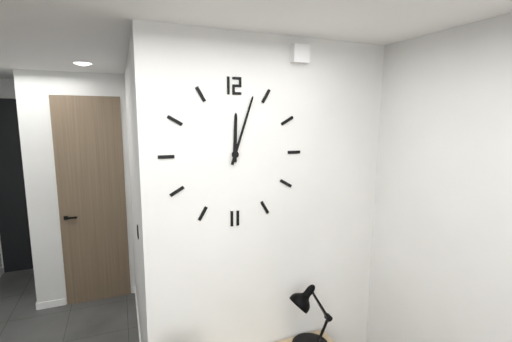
**12:03**
